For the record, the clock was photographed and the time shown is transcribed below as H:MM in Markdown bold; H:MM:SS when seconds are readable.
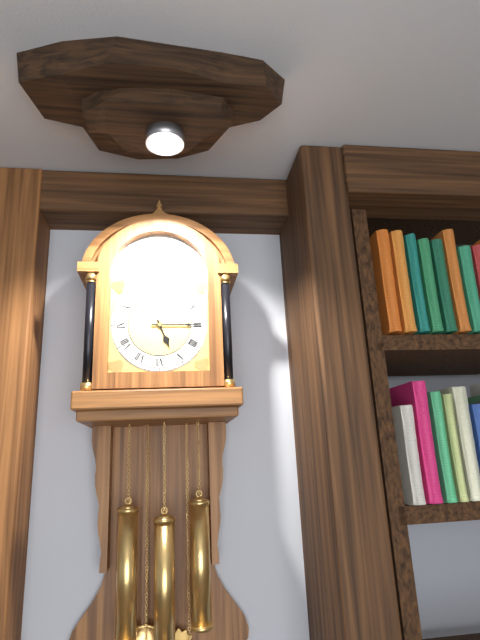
**5:15**
